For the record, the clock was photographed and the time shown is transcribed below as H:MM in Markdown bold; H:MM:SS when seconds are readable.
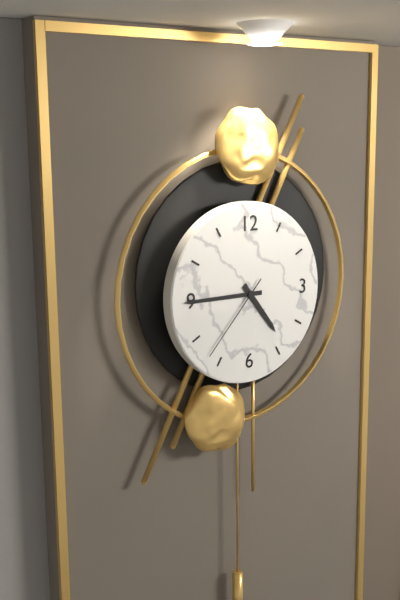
**4:45:37**
